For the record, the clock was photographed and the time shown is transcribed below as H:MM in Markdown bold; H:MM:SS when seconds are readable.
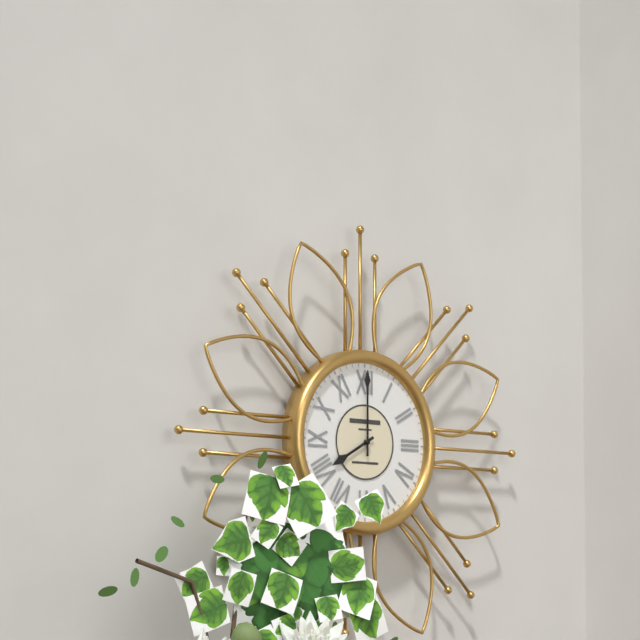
**8:00**
